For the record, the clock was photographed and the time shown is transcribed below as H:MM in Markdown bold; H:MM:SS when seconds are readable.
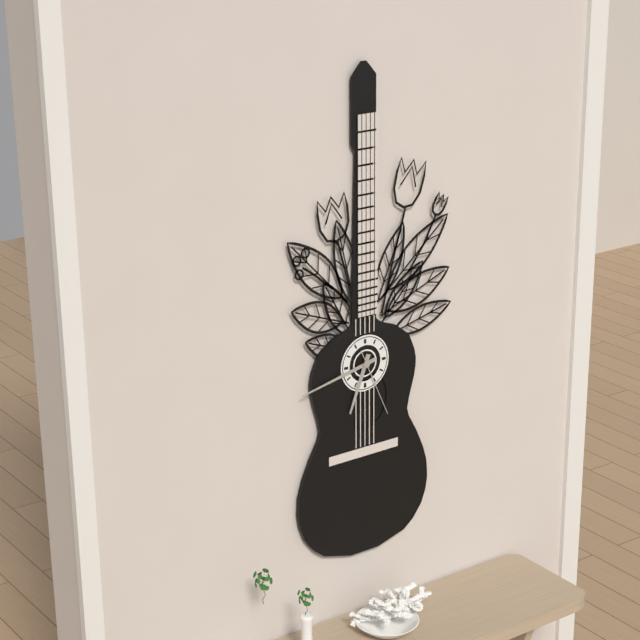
**6:43:26**
